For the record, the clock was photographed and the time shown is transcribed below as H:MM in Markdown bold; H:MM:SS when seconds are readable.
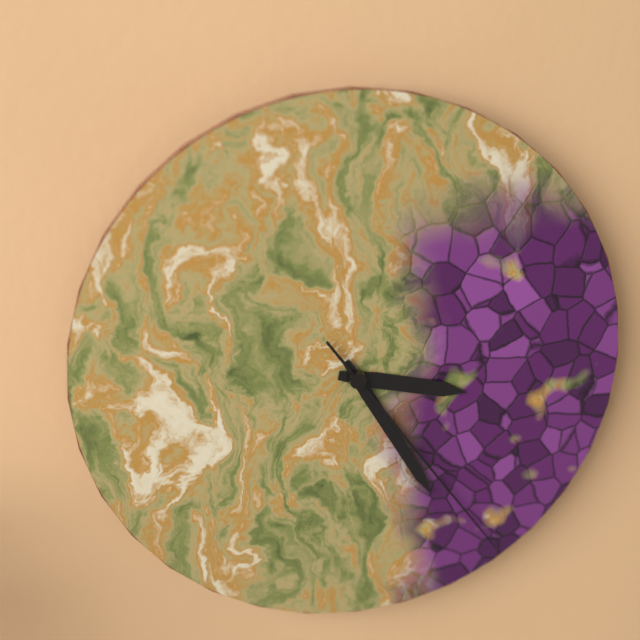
**3:25:24**
